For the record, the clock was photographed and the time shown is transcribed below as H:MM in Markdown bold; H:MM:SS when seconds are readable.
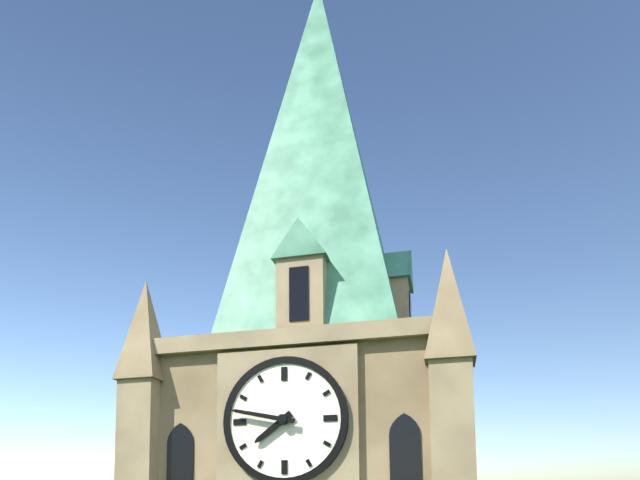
**7:47**
